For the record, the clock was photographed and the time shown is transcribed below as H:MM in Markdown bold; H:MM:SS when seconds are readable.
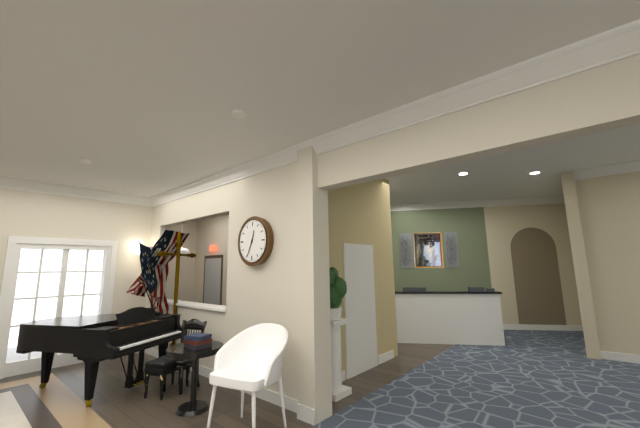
**12:34**
